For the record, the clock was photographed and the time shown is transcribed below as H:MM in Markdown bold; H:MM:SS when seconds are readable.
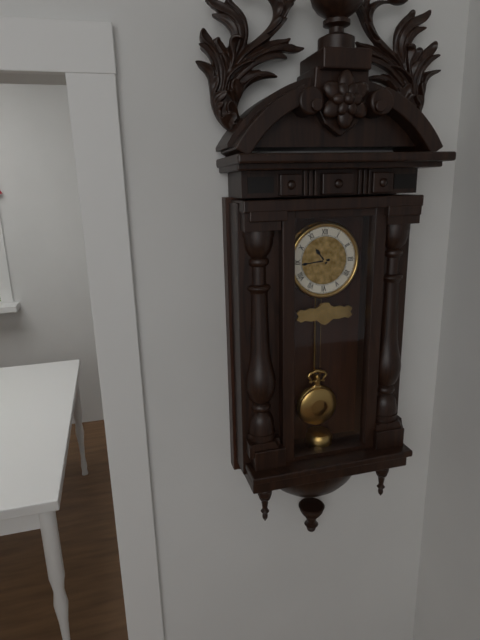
**10:44**
